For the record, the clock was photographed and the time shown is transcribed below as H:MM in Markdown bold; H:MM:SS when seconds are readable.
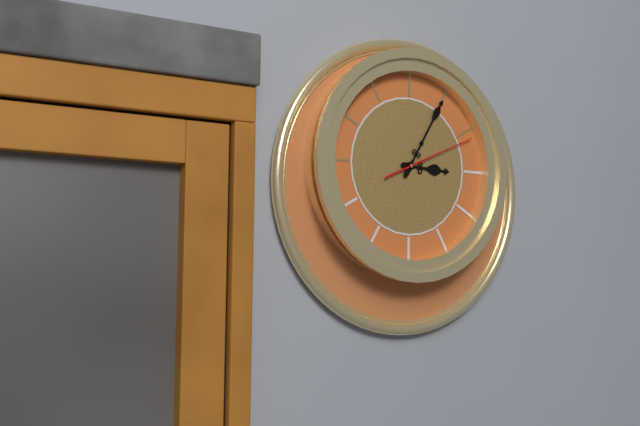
**3:05:11**
